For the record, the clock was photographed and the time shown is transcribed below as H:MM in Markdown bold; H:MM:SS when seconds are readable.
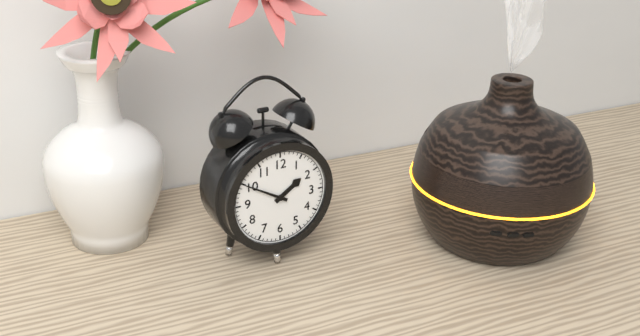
**1:50**
